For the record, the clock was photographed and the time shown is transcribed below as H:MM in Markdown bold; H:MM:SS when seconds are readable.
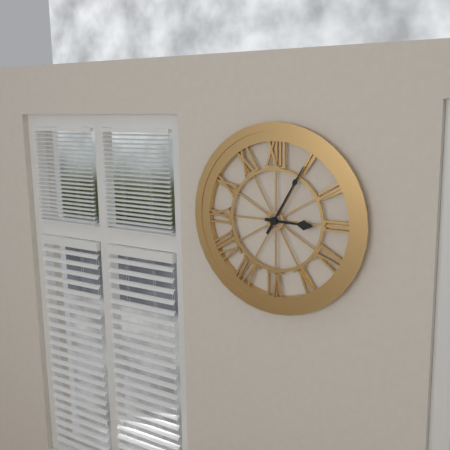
**3:05**
